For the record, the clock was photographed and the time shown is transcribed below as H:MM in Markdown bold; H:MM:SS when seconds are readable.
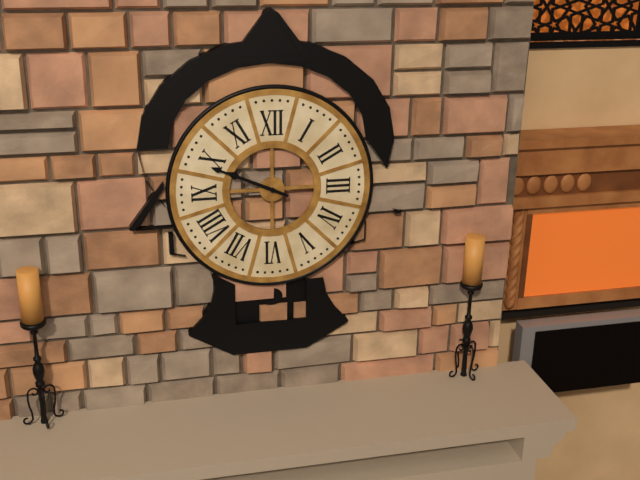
**9:49**
